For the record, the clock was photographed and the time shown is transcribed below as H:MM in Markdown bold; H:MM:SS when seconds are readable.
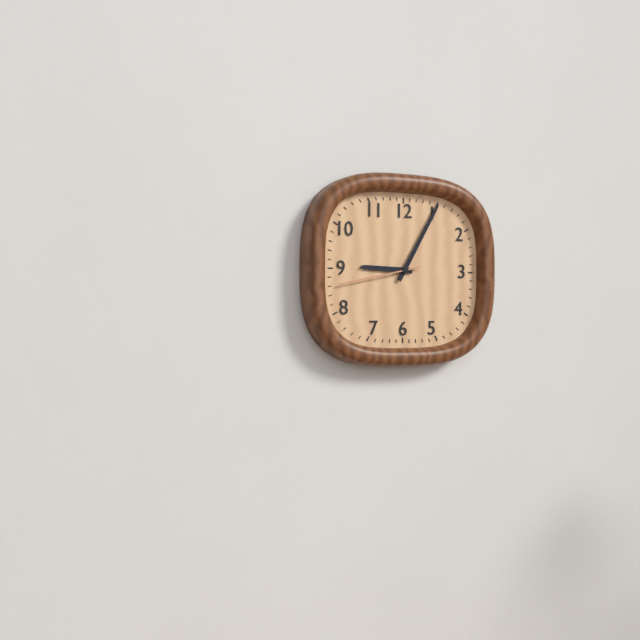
**9:05:43**
